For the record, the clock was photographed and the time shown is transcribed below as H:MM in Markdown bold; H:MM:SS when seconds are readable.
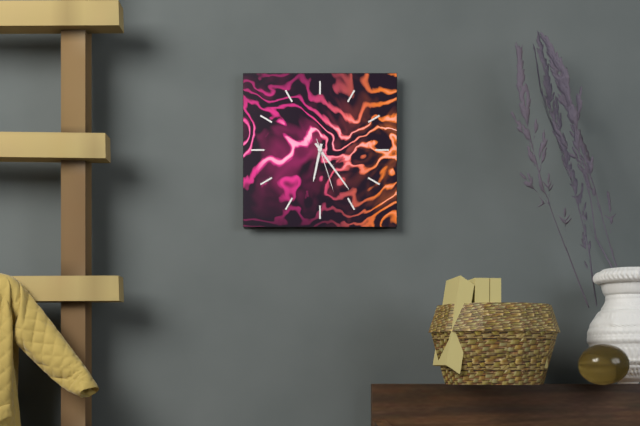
**6:24:27**
